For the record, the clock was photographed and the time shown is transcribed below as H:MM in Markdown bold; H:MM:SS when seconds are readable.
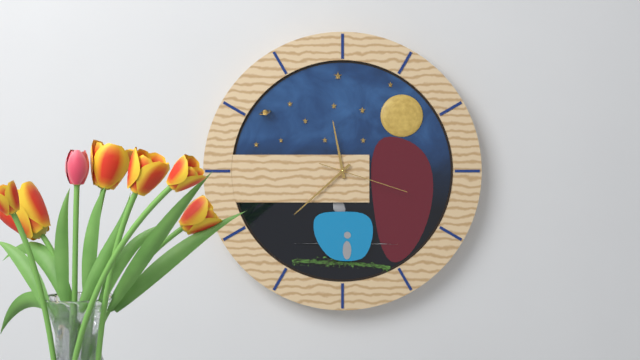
**11:38:18**
